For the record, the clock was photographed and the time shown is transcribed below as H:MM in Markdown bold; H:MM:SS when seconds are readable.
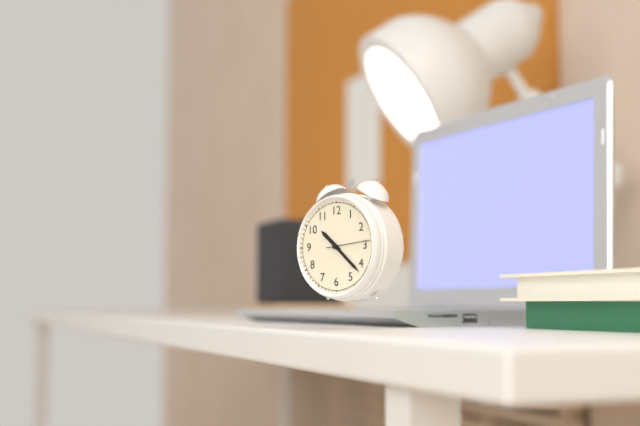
**10:22**
